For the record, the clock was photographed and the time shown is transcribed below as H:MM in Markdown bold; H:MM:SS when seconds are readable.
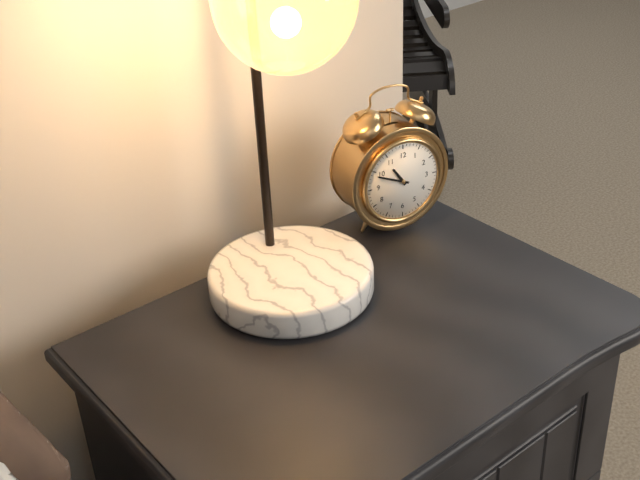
**10:49**
